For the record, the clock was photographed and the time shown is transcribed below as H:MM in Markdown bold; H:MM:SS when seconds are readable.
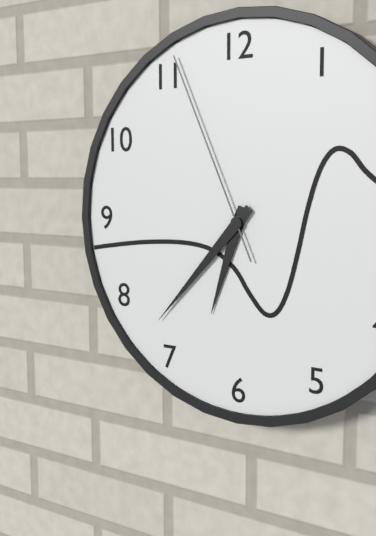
**6:37:56**
